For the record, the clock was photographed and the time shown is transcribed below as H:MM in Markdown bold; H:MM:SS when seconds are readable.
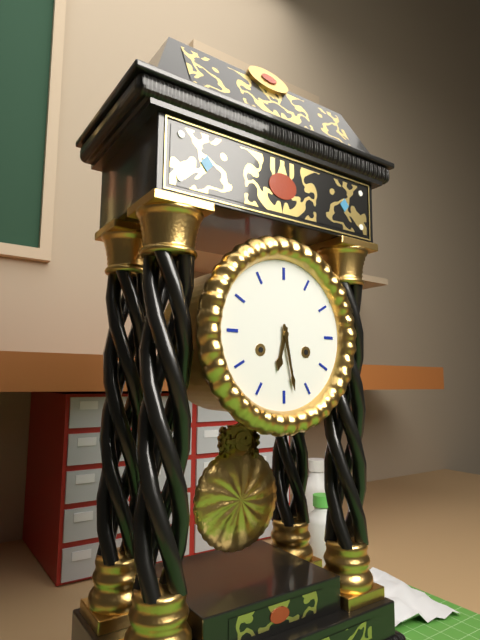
**6:28**
